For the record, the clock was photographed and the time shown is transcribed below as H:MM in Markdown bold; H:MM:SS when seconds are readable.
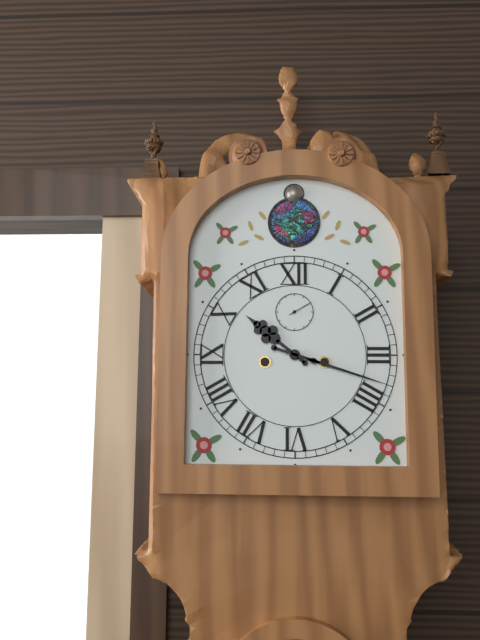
**10:18**
